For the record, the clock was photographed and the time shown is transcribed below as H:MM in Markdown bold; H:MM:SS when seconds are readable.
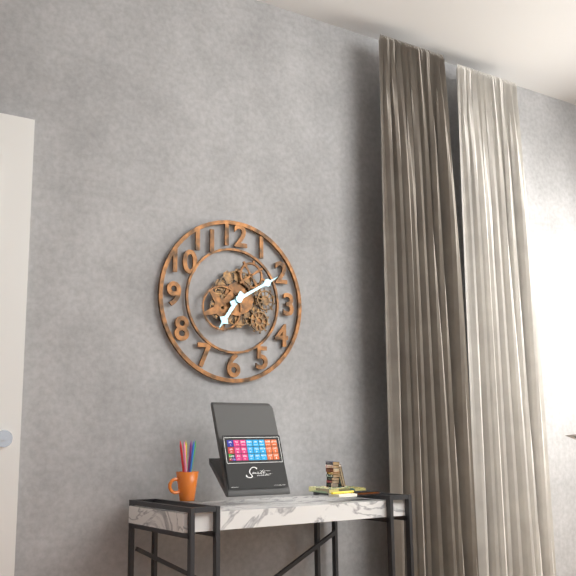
**7:10**
